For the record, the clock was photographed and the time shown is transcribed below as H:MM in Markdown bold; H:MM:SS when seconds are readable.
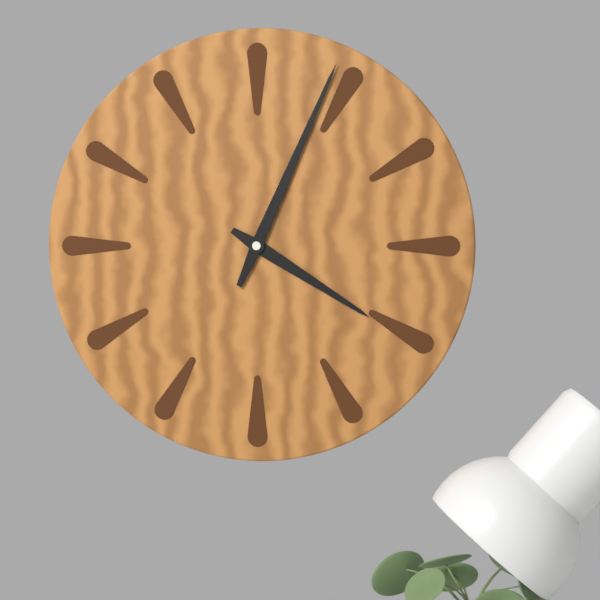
**4:04**
